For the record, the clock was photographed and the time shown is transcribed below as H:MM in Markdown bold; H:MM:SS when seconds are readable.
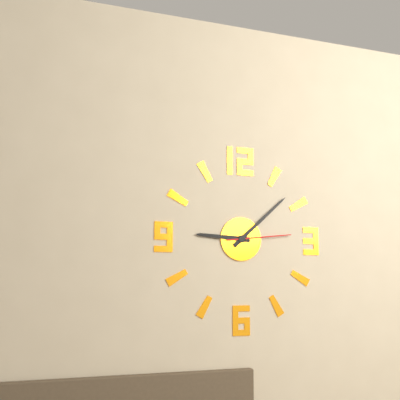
**9:08:14**
